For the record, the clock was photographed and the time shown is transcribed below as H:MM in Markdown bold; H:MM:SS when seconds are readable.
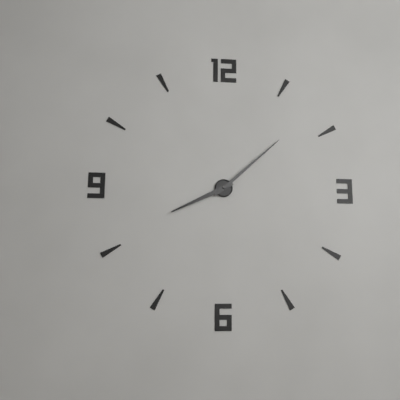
**8:08**
